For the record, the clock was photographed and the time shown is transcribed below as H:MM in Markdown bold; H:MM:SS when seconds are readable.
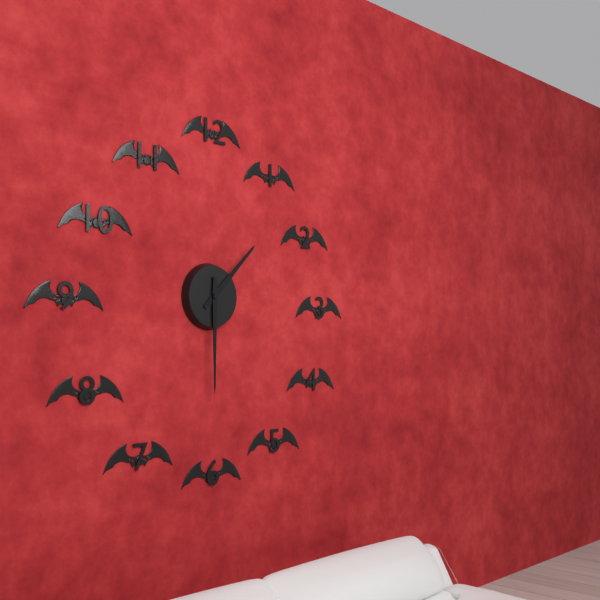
**1:30**
